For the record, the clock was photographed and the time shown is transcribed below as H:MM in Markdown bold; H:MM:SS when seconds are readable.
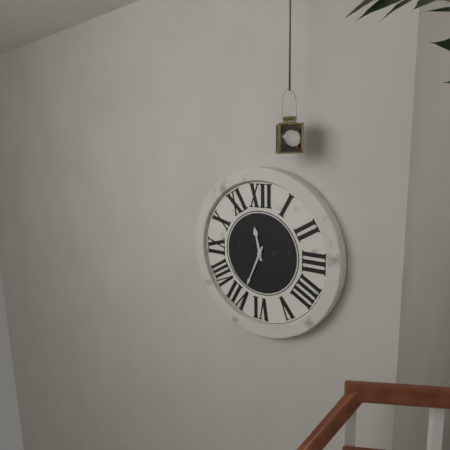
**11:34**
